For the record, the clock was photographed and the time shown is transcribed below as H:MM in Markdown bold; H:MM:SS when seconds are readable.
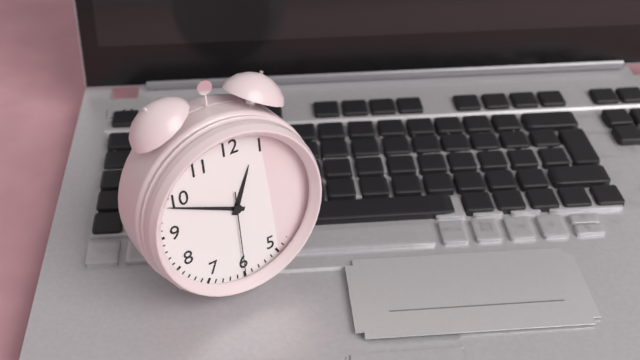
**12:49:30**
